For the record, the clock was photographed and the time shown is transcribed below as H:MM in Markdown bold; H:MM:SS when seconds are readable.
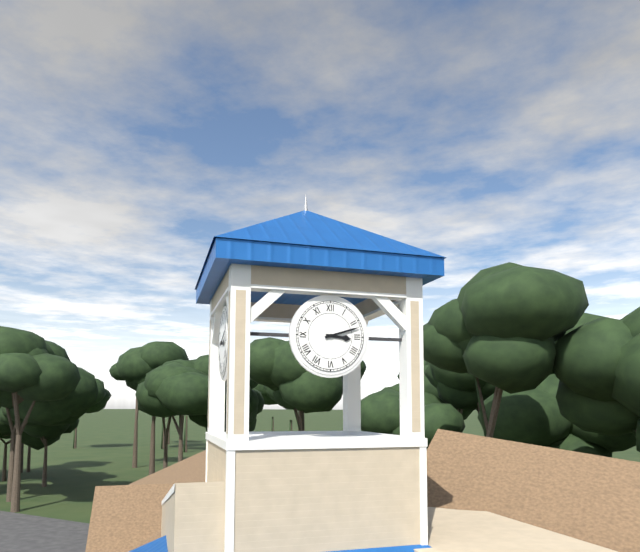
**3:12**
